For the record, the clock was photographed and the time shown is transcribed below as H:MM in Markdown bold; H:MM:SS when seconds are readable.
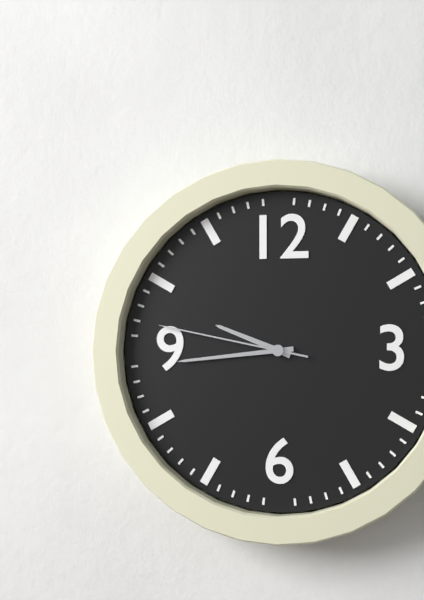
**9:44:47**
